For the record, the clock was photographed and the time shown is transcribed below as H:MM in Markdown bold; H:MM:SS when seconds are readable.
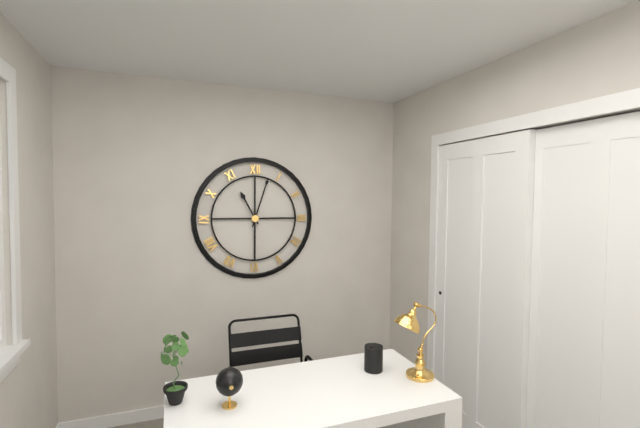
**11:03**
